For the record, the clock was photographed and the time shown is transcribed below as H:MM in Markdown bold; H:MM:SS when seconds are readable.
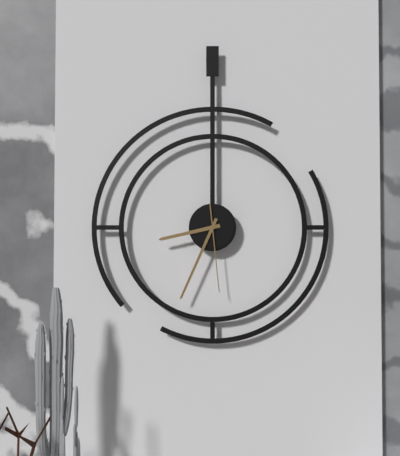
**8:34:29**
